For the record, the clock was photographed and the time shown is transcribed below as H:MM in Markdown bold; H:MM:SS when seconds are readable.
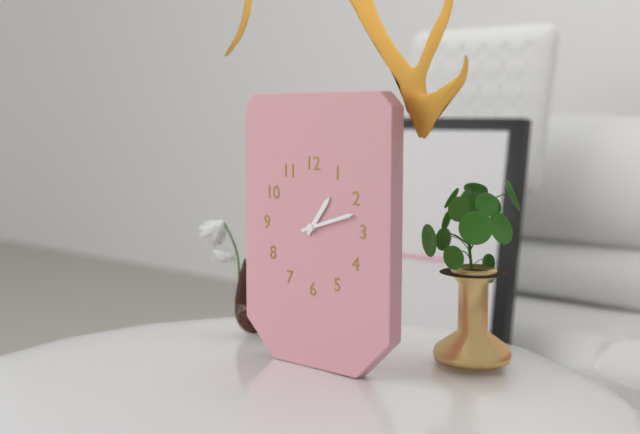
**1:12**
